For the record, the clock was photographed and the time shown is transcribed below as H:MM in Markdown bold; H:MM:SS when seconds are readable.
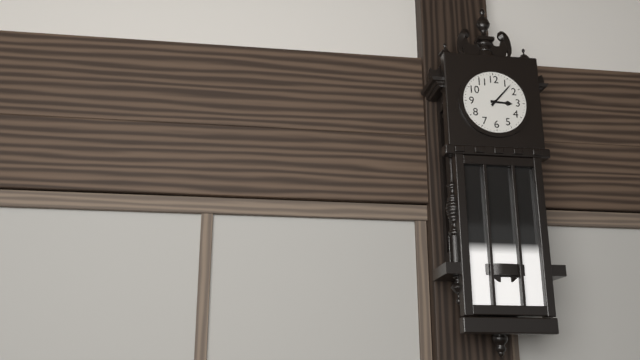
**3:07**
